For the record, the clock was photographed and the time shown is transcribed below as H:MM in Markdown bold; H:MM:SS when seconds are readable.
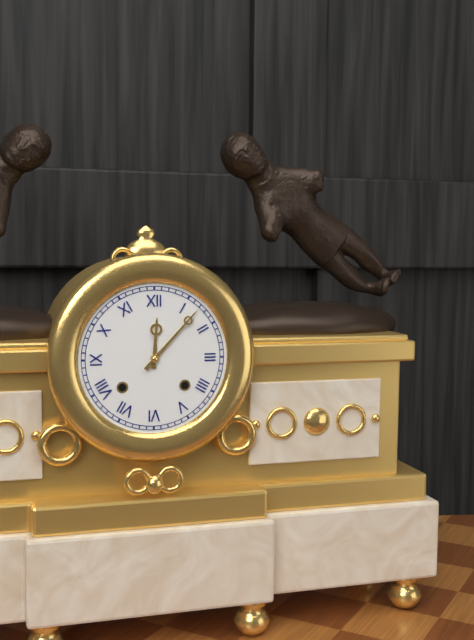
**12:07**
